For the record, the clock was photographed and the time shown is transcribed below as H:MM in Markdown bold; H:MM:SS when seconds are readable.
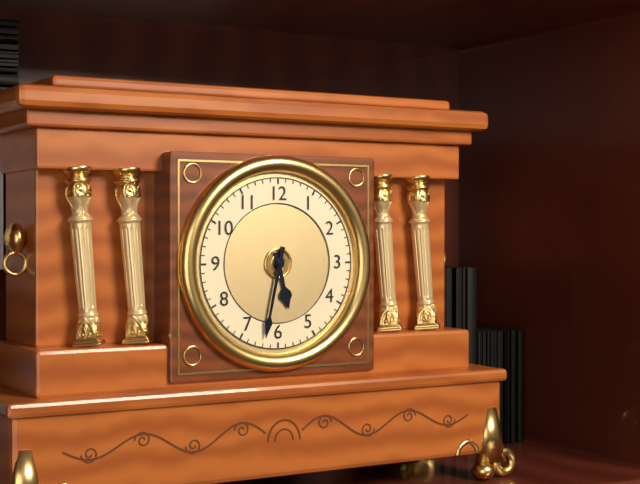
**5:32**
